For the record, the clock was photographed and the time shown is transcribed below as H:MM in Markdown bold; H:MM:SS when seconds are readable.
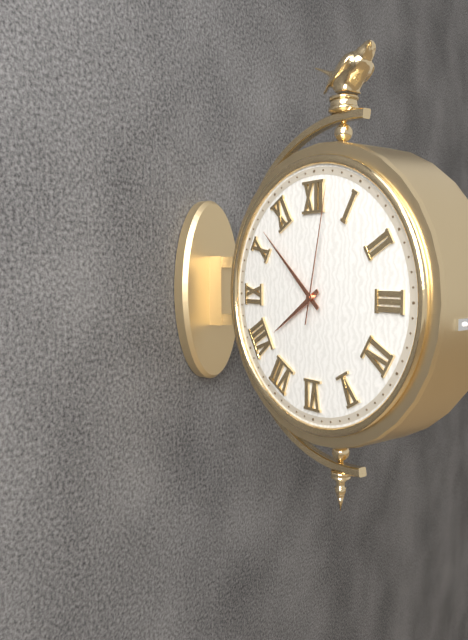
**7:52:02**
